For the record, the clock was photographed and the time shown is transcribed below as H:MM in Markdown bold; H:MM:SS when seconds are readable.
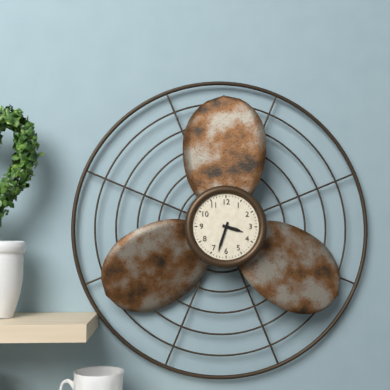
**3:33**
